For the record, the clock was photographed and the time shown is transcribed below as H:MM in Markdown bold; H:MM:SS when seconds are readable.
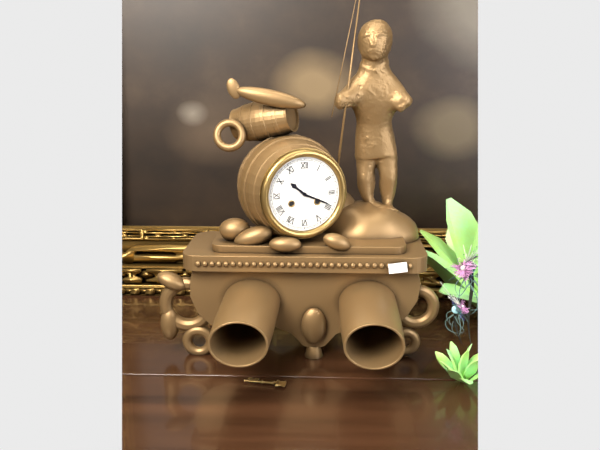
**10:19**
